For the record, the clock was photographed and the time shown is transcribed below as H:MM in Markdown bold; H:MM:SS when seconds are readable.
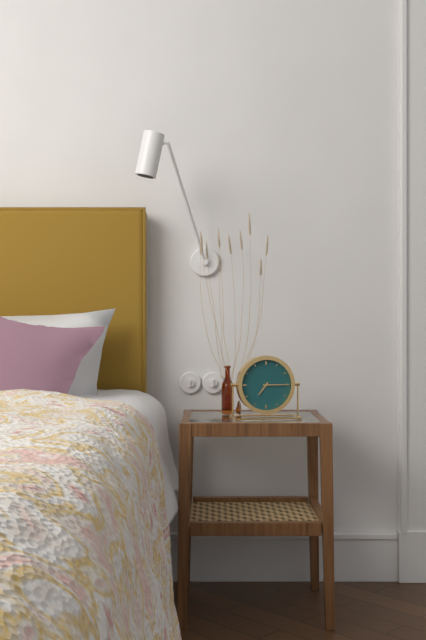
**7:15**
